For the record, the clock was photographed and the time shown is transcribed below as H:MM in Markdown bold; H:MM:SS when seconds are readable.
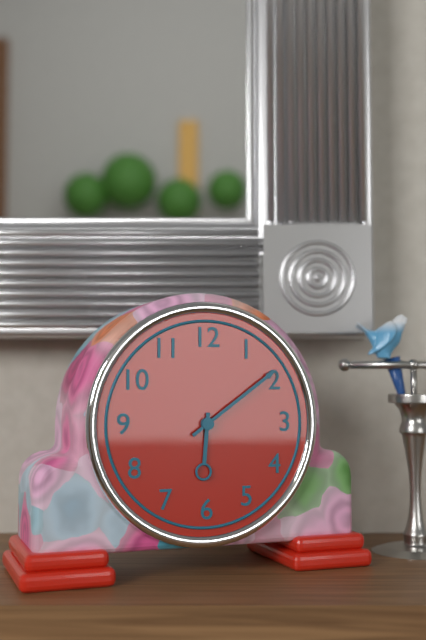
**6:09**
